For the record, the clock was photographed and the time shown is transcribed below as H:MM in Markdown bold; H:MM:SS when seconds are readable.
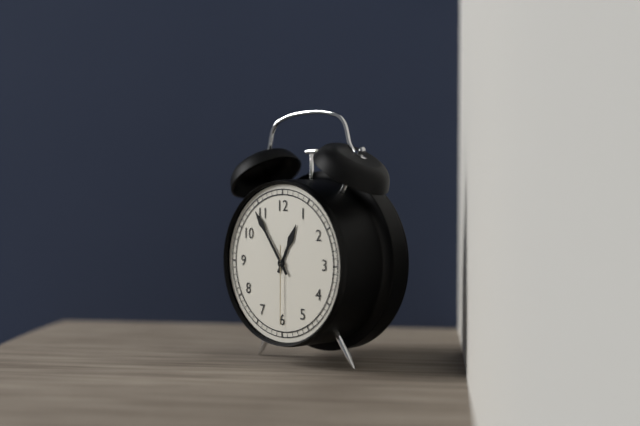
**12:54:30**
